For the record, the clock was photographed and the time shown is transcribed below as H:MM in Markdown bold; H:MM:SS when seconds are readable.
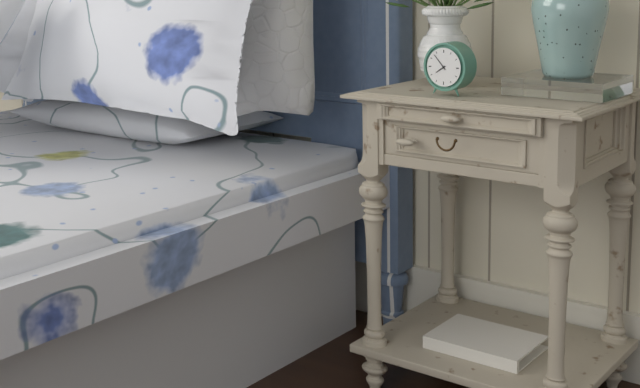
**7:53**
